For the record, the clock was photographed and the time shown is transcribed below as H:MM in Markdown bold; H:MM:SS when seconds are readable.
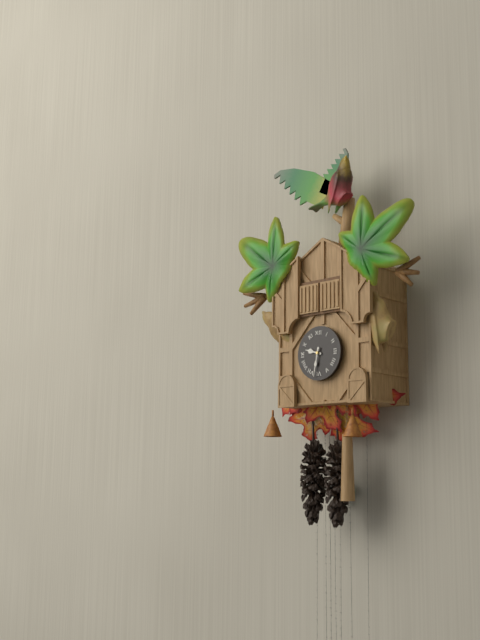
**9:32**
